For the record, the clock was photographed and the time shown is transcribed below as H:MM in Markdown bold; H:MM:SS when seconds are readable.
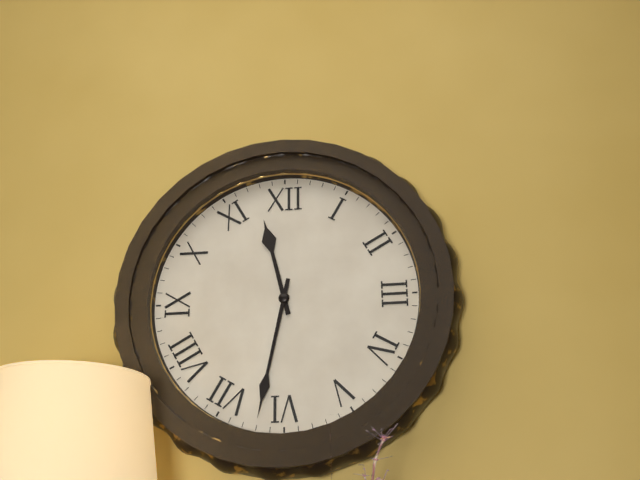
**11:32**
